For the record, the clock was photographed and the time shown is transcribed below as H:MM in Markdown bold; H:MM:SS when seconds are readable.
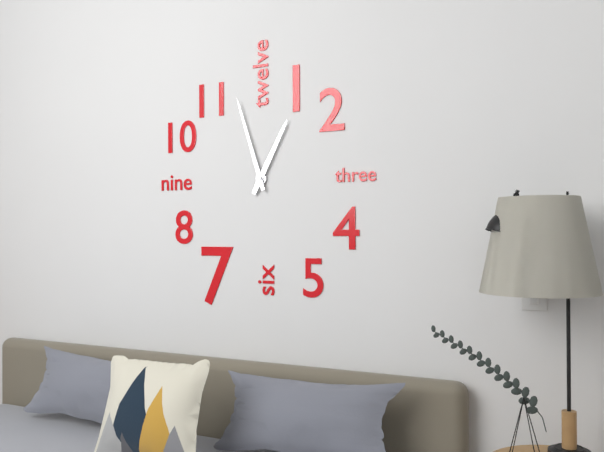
**12:57**
